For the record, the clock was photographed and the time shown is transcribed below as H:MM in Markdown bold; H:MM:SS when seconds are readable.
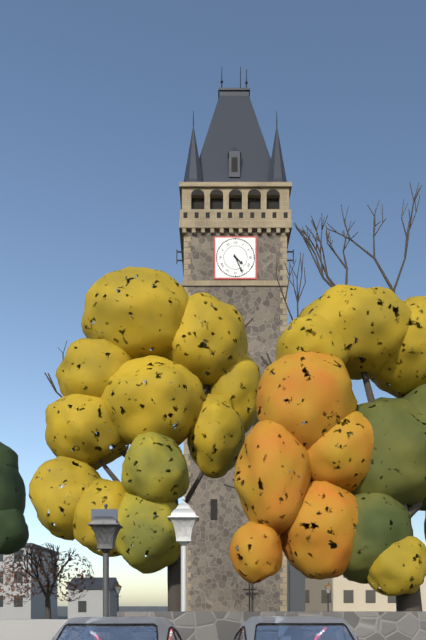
**4:26**
